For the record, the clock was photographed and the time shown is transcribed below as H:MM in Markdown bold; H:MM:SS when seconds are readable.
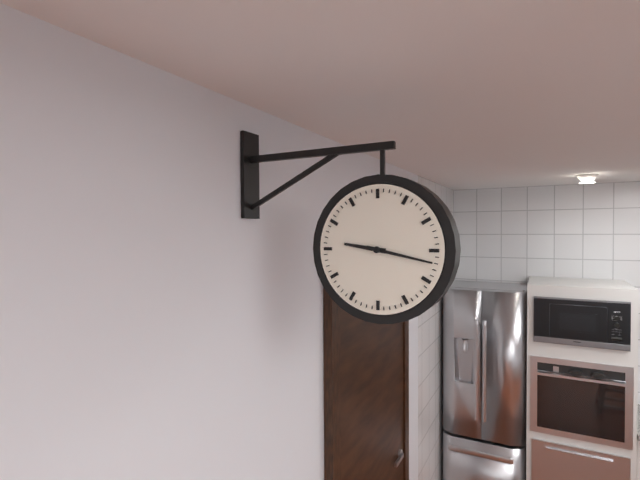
**9:17**
